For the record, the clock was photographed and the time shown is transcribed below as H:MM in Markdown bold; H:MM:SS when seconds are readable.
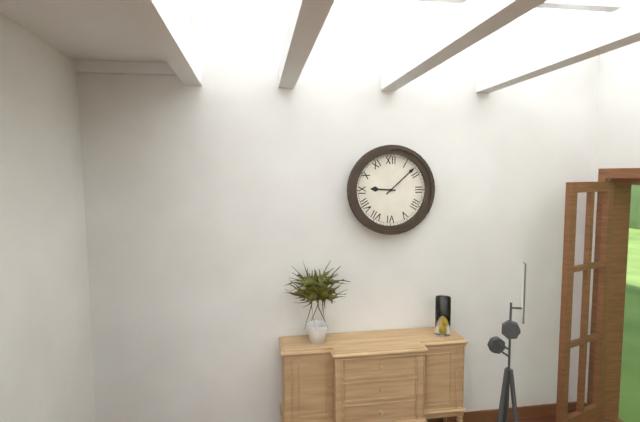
**9:08**
